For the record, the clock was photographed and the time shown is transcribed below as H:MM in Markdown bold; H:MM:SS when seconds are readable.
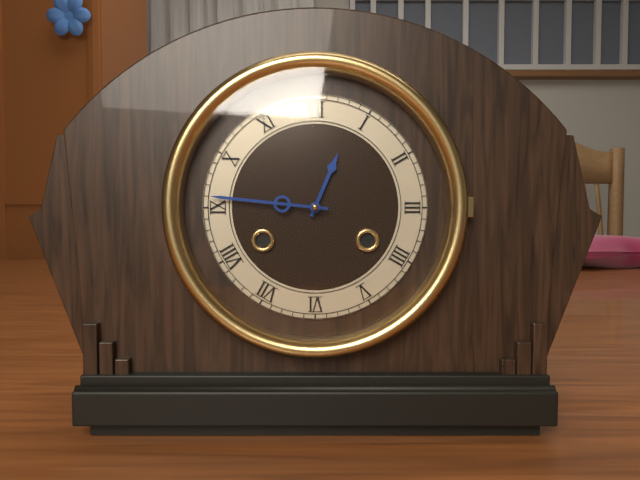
**12:46**
